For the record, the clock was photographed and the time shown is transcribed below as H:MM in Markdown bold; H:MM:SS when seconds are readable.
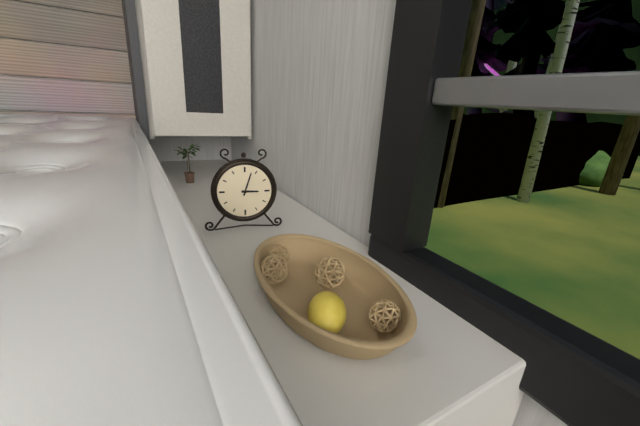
**3:03**
